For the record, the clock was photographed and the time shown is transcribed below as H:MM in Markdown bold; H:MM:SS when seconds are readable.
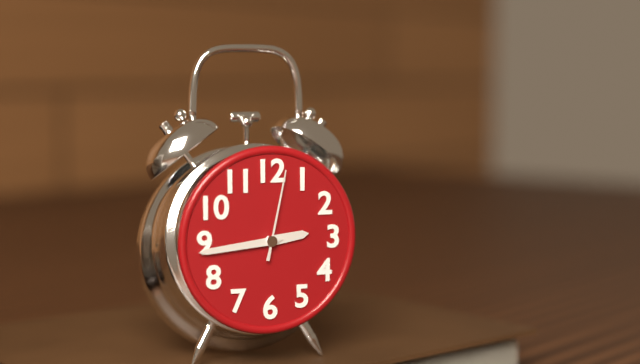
**2:44:02**
